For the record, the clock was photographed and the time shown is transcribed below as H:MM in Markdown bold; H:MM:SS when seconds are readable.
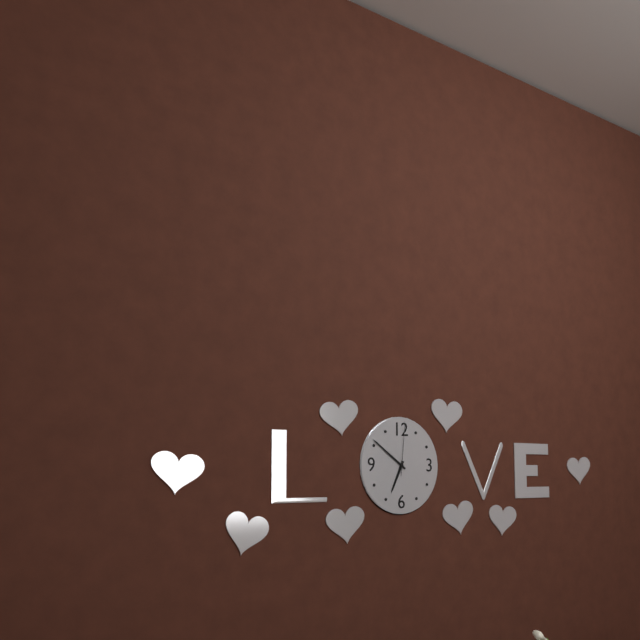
**6:51:01**
